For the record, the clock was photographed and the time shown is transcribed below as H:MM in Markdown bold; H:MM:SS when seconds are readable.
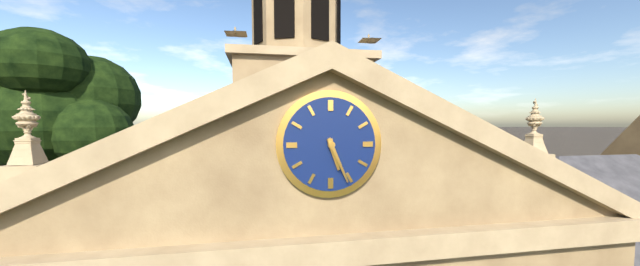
**5:26**
